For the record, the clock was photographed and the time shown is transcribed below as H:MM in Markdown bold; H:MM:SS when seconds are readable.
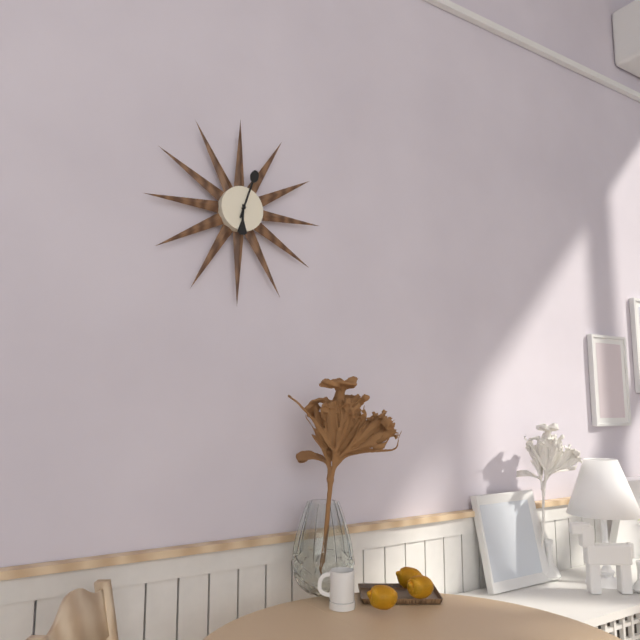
**6:03**
